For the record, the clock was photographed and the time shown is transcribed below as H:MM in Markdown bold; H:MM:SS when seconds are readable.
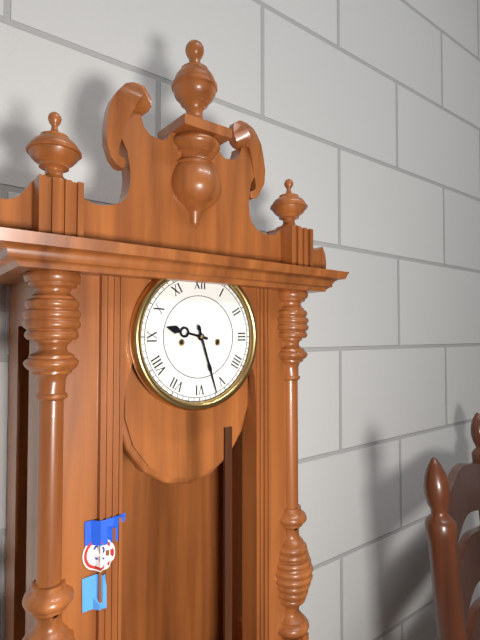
**9:27**
